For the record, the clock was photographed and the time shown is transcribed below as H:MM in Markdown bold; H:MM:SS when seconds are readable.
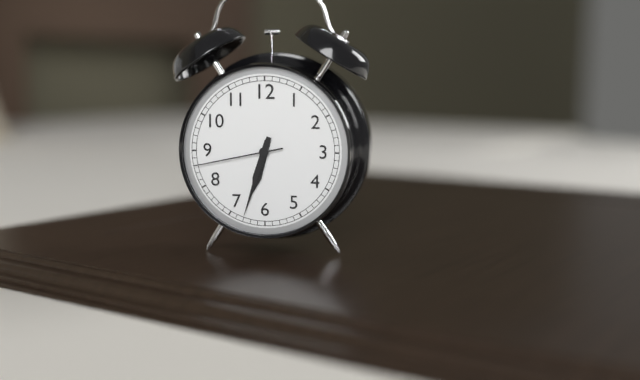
**6:33:43**
